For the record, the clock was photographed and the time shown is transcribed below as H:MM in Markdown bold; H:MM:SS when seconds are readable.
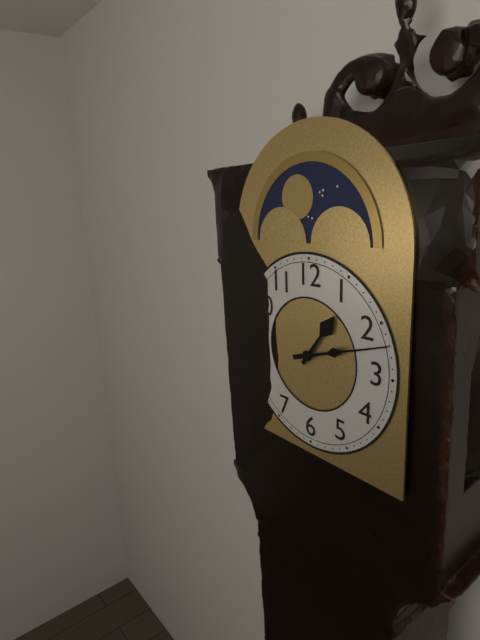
**1:12**
